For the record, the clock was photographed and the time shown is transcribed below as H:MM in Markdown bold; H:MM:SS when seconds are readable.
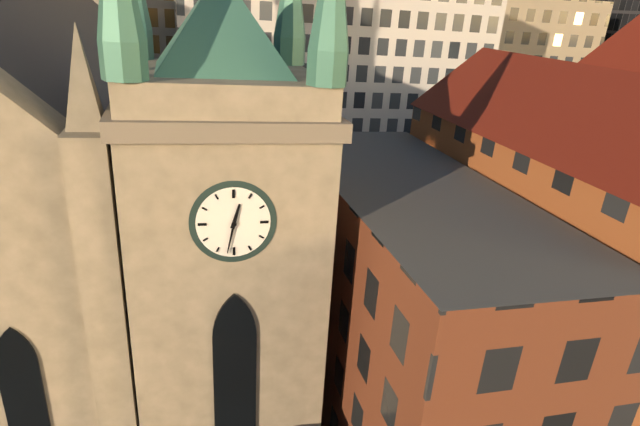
**12:32**
